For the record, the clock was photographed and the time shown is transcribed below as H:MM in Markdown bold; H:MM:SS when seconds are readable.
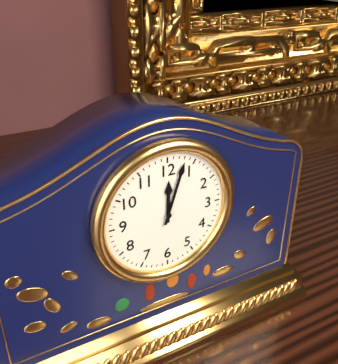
**12:03**
